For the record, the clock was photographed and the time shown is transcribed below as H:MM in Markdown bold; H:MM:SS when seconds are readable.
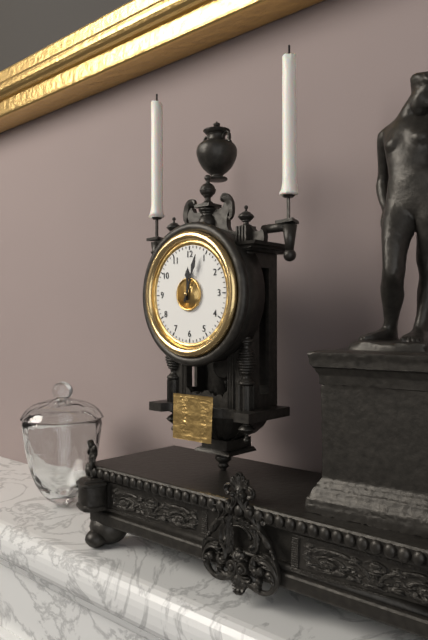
**12:03**
